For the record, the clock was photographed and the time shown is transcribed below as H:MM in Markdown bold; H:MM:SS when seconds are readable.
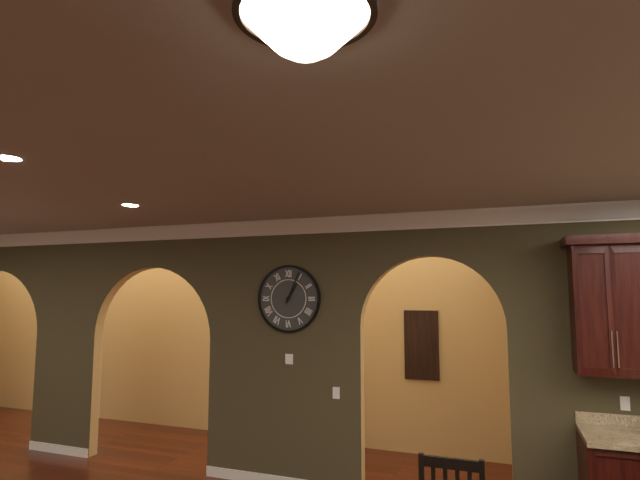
**1:04**
